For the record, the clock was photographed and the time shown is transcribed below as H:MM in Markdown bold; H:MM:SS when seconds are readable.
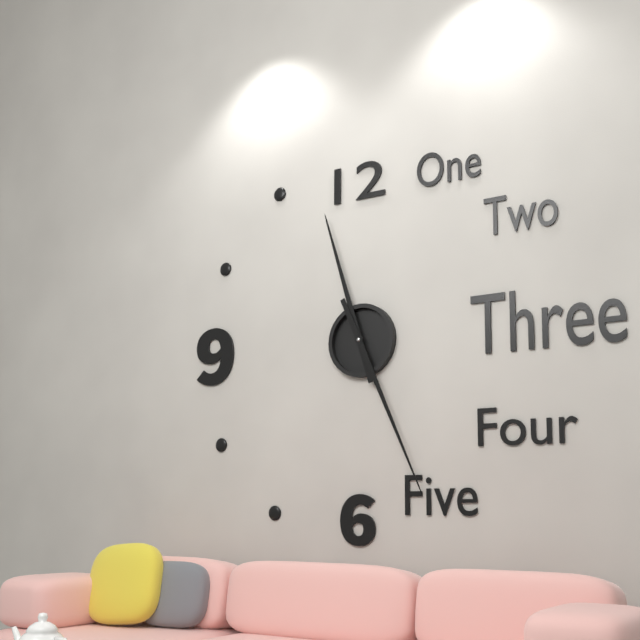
**11:26**
